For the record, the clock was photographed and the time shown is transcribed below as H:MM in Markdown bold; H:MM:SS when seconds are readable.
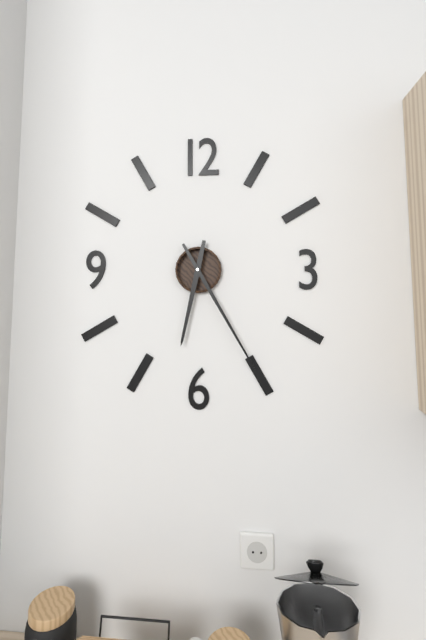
**6:25**
